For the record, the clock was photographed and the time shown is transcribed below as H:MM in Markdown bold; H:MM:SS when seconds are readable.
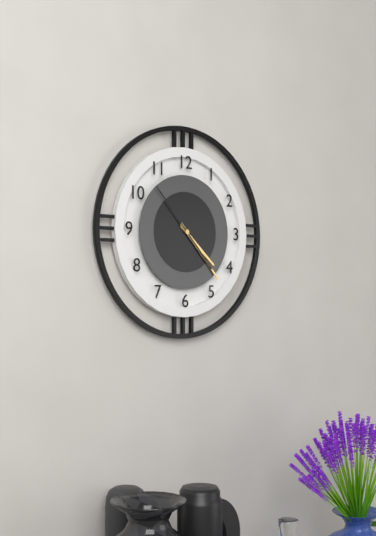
**4:23:53**
